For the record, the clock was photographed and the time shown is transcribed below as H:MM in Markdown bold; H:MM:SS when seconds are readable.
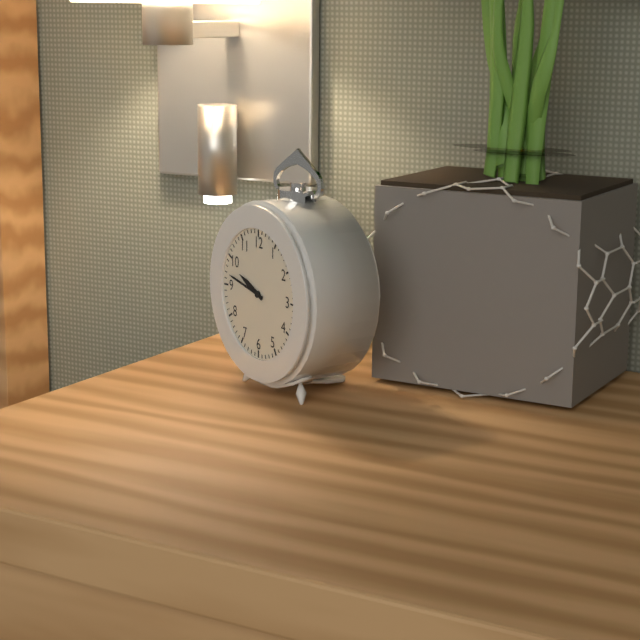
**9:47**
